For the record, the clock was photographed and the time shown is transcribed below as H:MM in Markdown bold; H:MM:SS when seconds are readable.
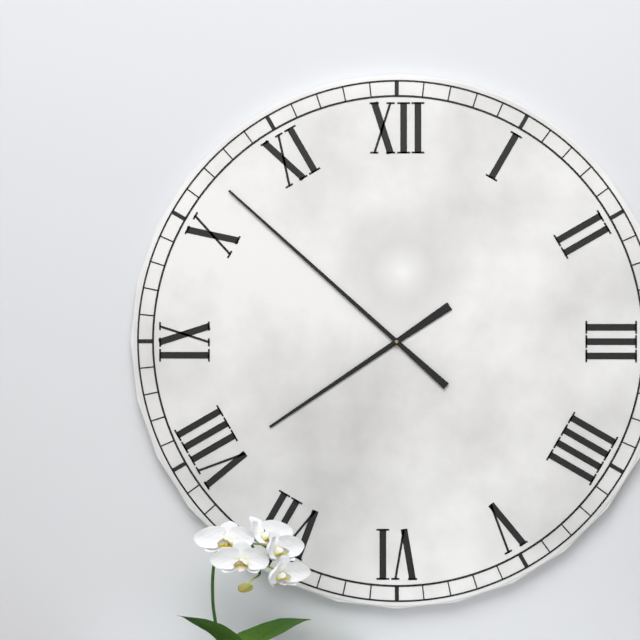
**7:52**
